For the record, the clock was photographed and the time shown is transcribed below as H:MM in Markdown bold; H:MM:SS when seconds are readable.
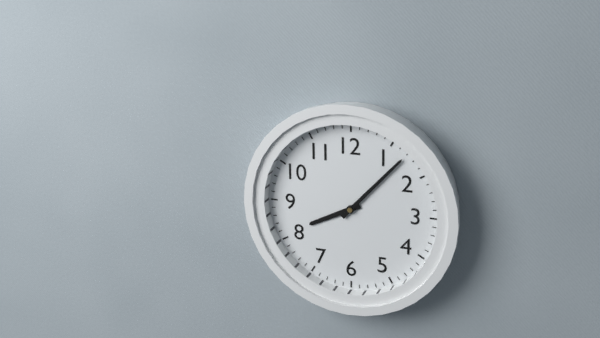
**8:07**
